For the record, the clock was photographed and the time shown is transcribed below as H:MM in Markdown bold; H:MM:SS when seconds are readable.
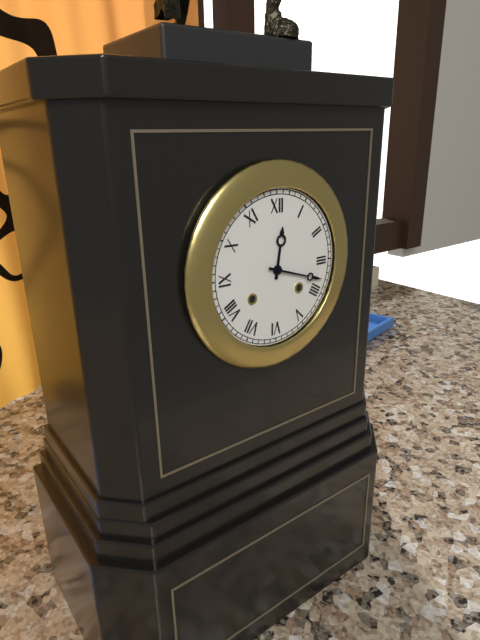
**12:18**
